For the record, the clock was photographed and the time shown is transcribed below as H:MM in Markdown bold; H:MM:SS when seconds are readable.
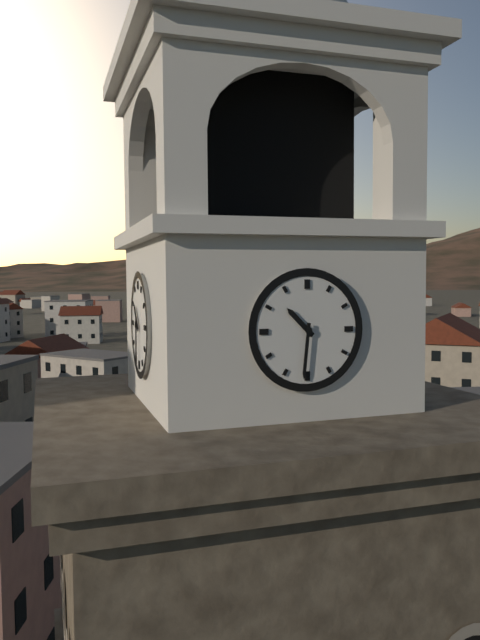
**10:31**
